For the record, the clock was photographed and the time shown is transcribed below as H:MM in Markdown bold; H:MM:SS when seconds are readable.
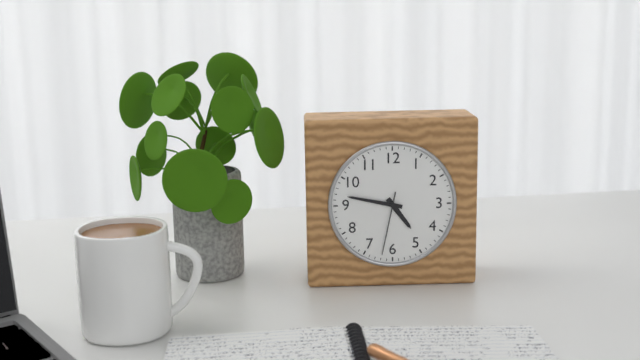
**4:47:32**
